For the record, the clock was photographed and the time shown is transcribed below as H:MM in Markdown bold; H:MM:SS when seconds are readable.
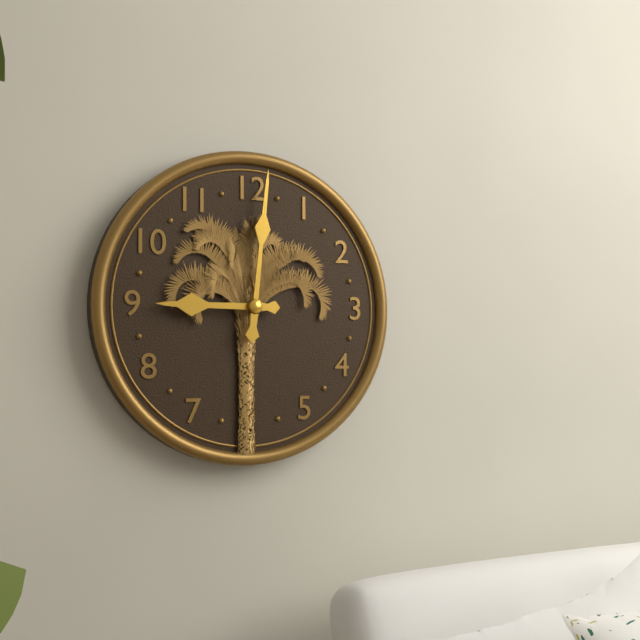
**9:01**
